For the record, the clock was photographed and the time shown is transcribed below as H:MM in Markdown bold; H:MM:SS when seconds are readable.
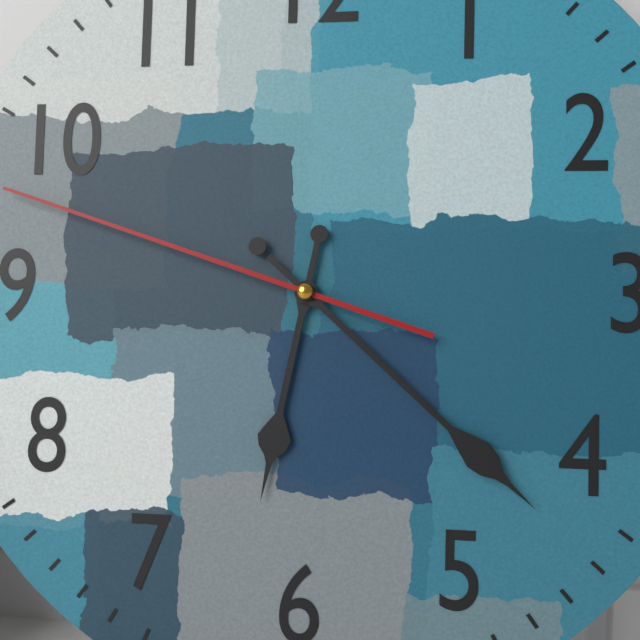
**6:22:48**
